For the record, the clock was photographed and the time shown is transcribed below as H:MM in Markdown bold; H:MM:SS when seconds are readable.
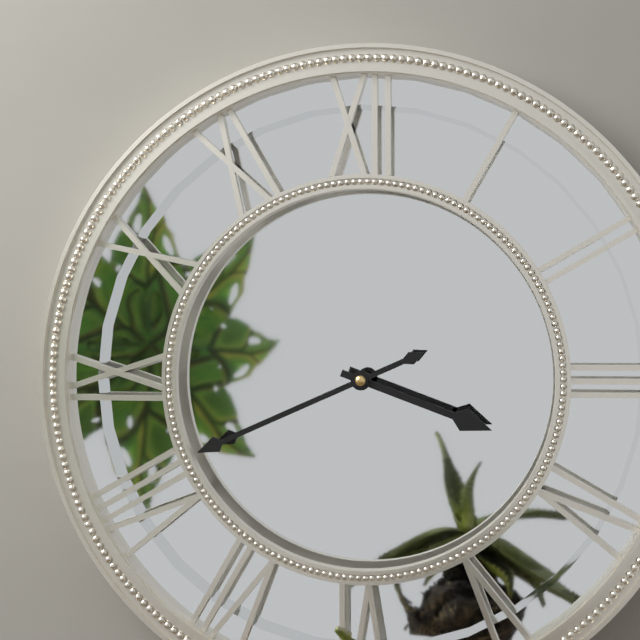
**3:41**
